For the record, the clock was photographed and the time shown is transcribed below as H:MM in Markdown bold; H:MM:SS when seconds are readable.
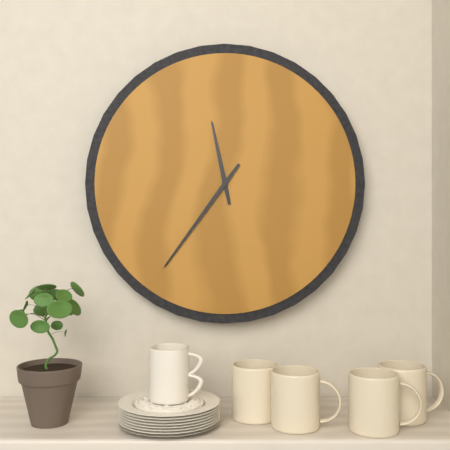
**11:36**
